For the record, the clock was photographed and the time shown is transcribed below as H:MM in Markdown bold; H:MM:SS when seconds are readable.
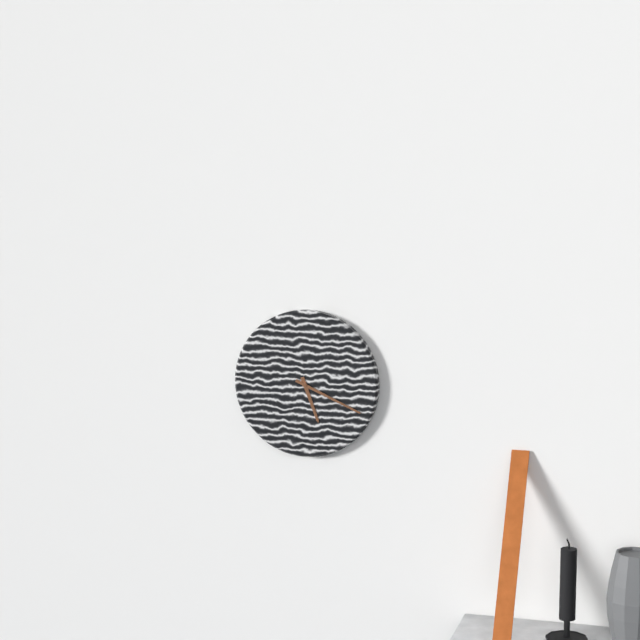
**5:19**
